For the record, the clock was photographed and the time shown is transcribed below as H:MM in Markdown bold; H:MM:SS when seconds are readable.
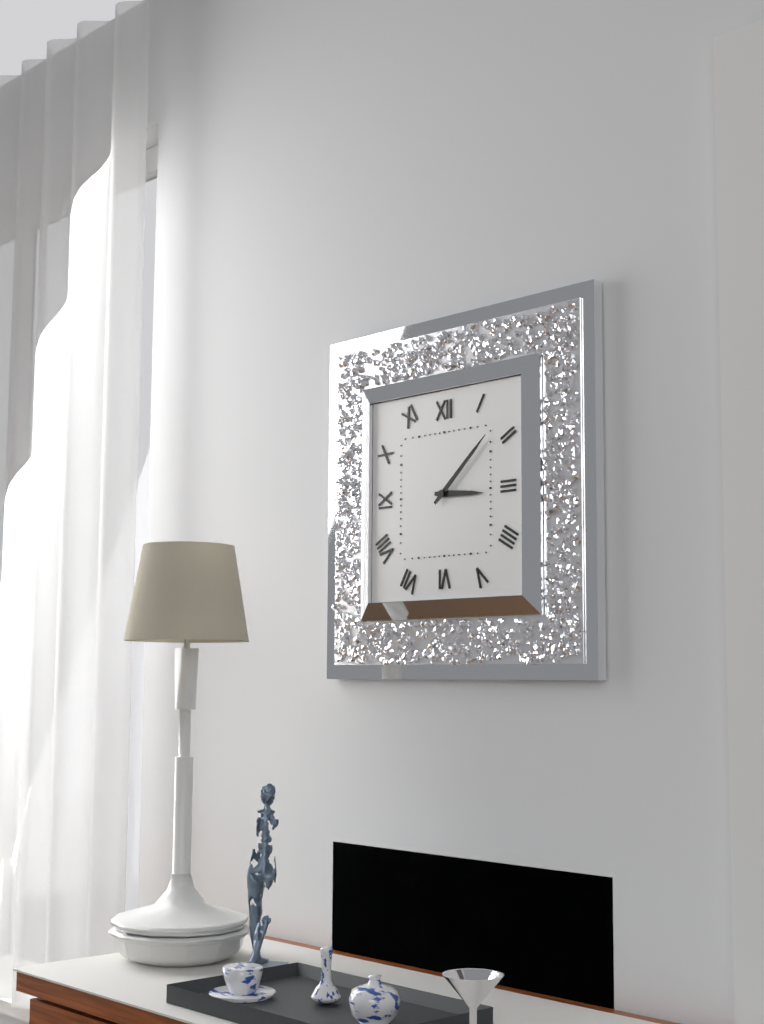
**3:08**
